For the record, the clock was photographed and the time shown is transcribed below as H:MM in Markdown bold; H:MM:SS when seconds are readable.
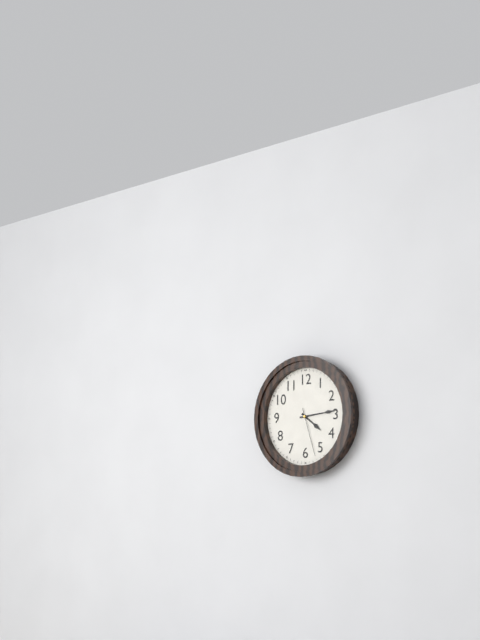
**4:14:27**
